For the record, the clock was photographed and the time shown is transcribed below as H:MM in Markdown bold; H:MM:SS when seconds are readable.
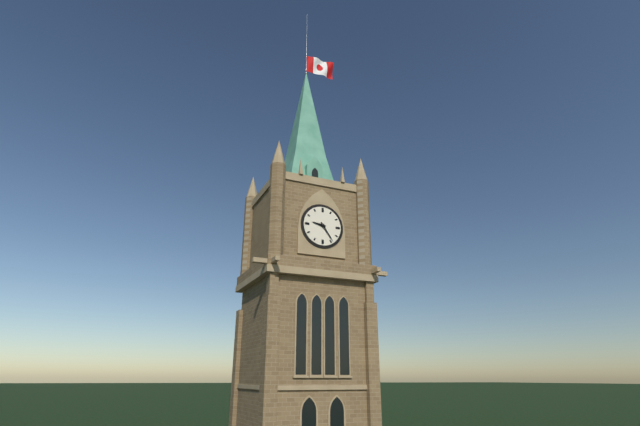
**9:24**
